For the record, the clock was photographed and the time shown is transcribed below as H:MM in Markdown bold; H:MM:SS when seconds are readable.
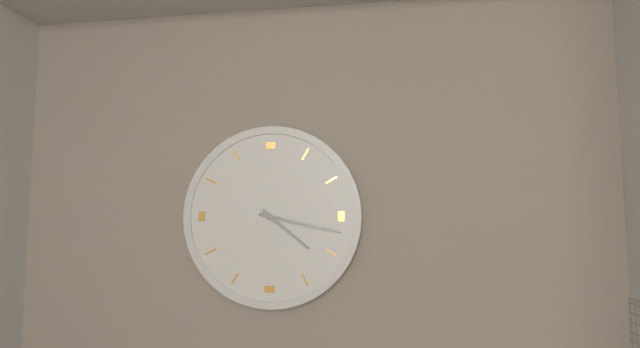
**4:17**
